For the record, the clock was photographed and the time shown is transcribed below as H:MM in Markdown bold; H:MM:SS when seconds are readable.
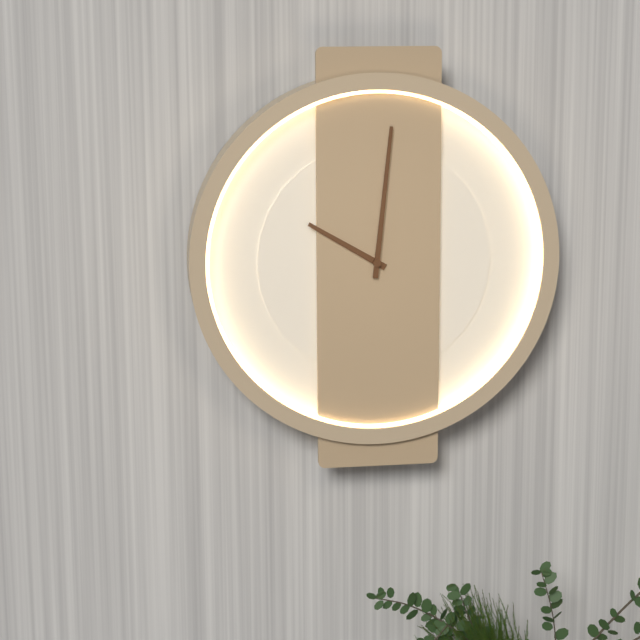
**10:01**
